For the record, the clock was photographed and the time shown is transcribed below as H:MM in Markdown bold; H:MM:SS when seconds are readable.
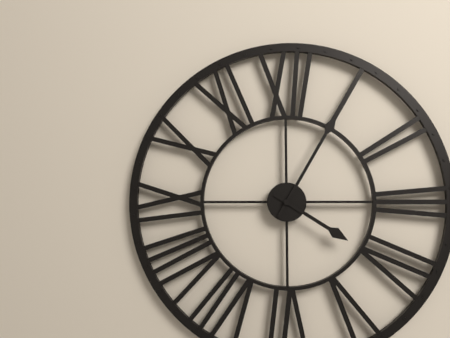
**4:05**
